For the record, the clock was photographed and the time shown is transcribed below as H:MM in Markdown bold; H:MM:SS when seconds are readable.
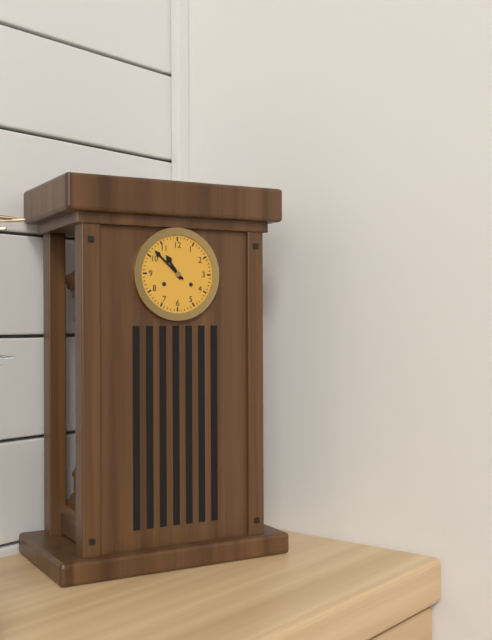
**10:52**
